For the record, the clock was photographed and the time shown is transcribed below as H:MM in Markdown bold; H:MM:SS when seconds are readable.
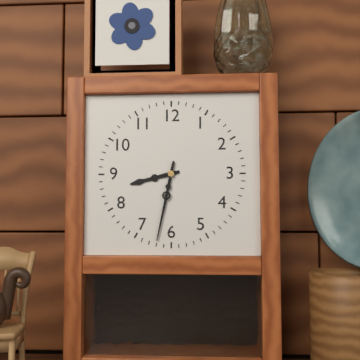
**8:32**
